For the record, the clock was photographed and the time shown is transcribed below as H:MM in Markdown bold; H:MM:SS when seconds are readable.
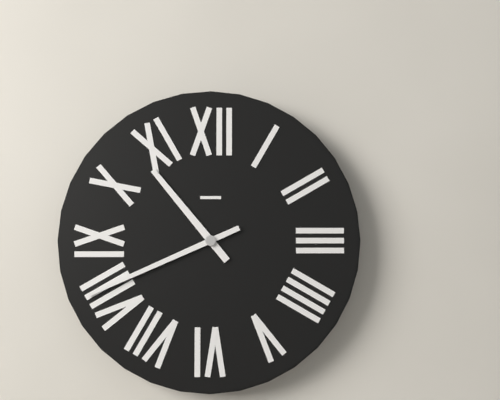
**10:41**
